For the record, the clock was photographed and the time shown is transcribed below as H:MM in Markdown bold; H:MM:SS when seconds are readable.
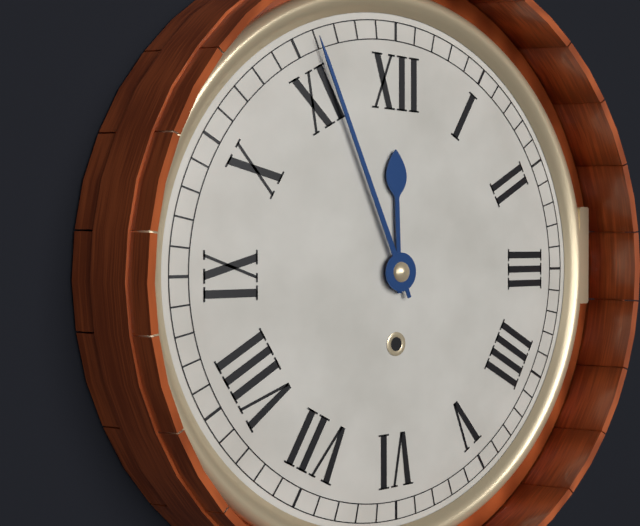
**11:56**
